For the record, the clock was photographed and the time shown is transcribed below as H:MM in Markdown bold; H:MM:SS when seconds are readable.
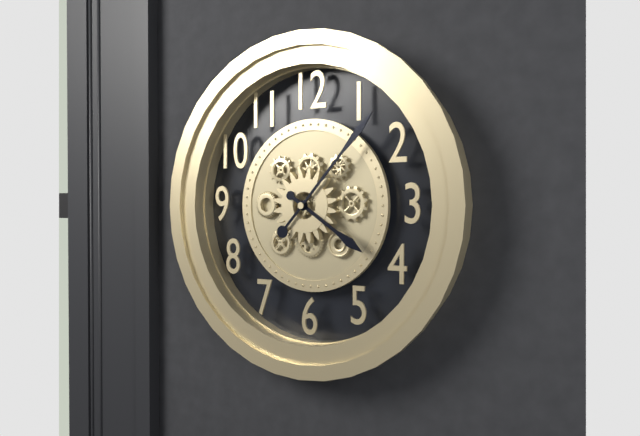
**4:07**
